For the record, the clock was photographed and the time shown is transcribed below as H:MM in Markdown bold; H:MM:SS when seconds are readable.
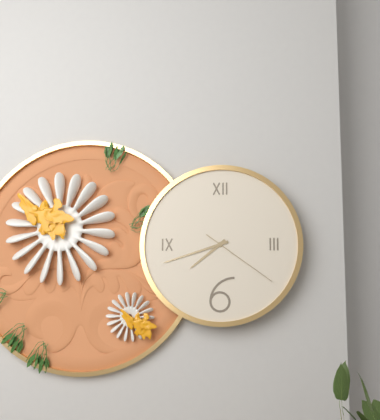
**7:42:21**
